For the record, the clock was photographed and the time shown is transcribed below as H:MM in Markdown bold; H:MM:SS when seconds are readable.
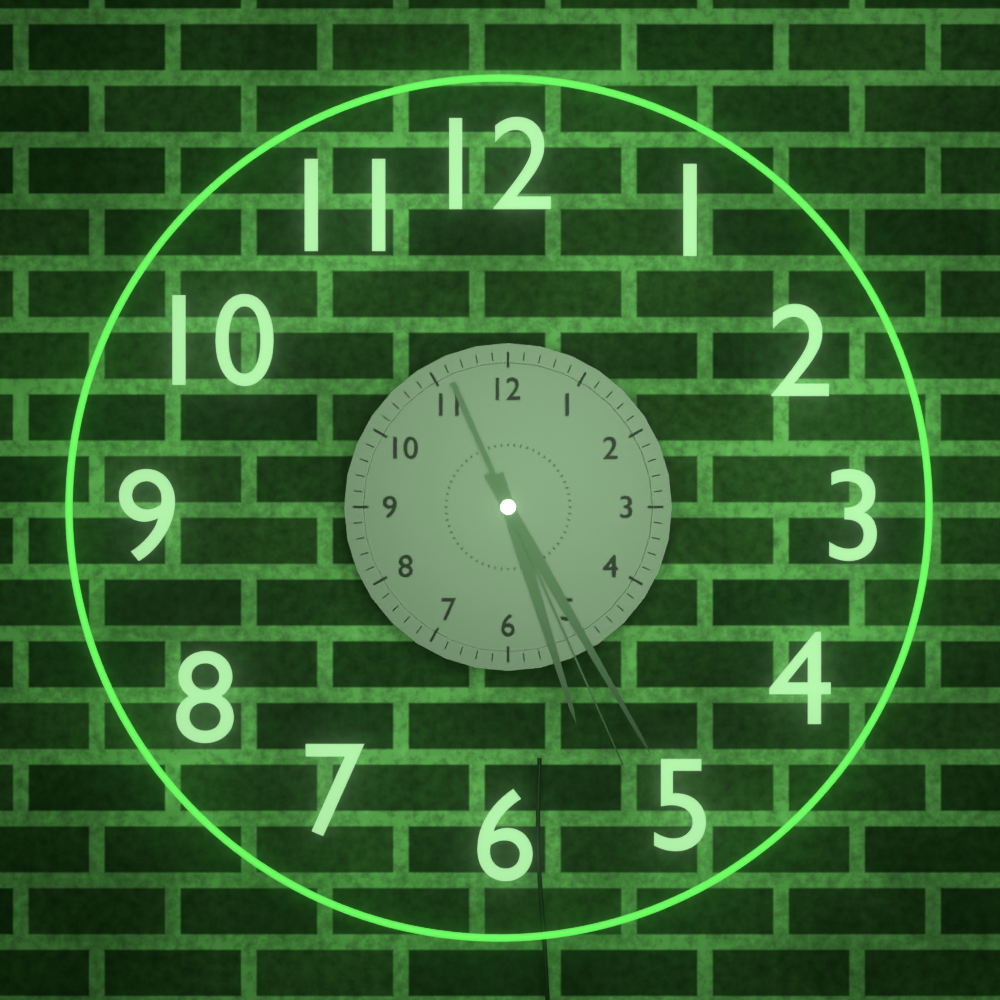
**5:25:26**
